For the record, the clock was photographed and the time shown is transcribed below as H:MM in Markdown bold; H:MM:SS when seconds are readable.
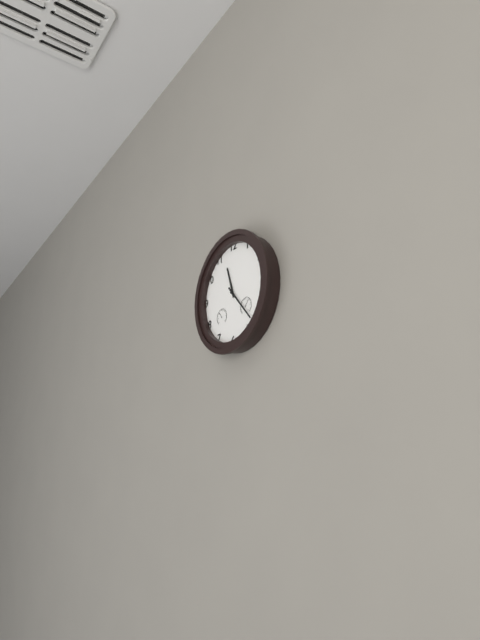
**11:23**
